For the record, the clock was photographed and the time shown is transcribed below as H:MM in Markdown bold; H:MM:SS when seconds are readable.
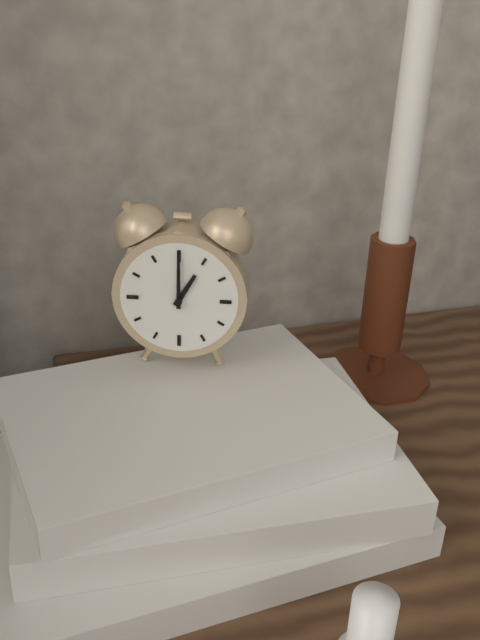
**1:00**
